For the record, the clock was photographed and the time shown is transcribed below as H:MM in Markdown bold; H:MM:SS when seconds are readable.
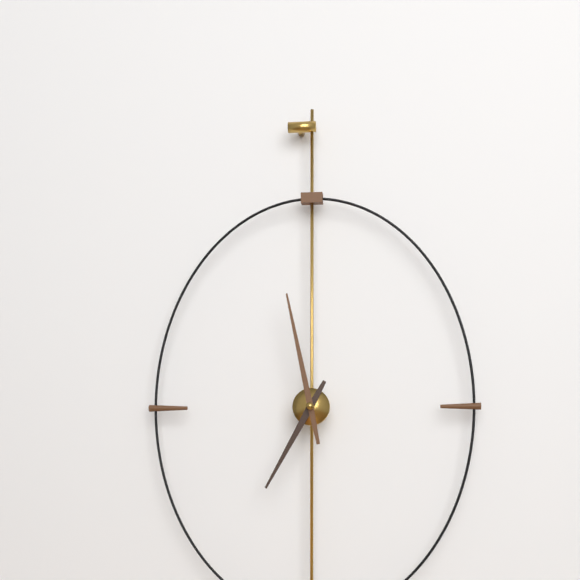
**6:58**
